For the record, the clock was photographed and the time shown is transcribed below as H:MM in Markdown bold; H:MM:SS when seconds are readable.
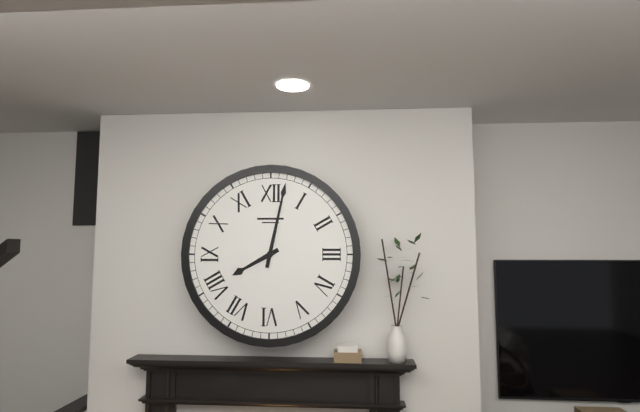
**8:02**
